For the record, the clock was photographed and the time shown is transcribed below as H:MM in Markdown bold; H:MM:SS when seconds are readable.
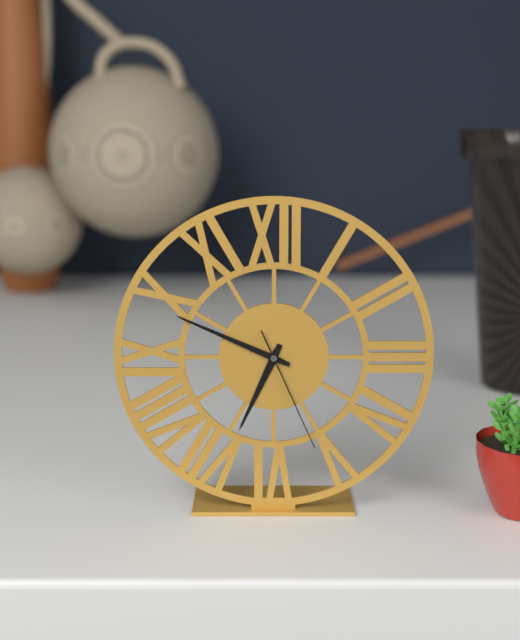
**6:49:26**
